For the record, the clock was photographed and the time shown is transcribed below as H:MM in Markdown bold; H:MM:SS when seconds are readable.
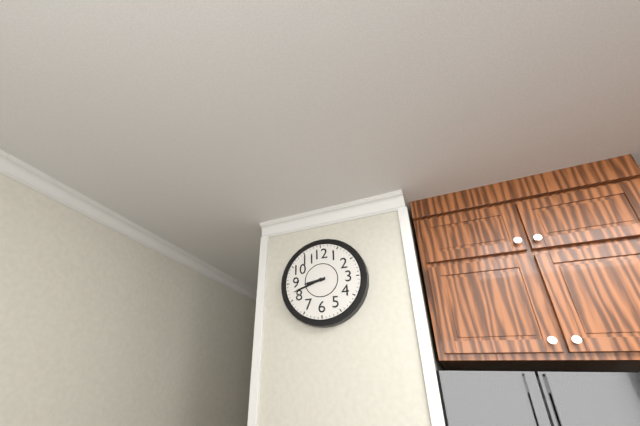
**8:42**
